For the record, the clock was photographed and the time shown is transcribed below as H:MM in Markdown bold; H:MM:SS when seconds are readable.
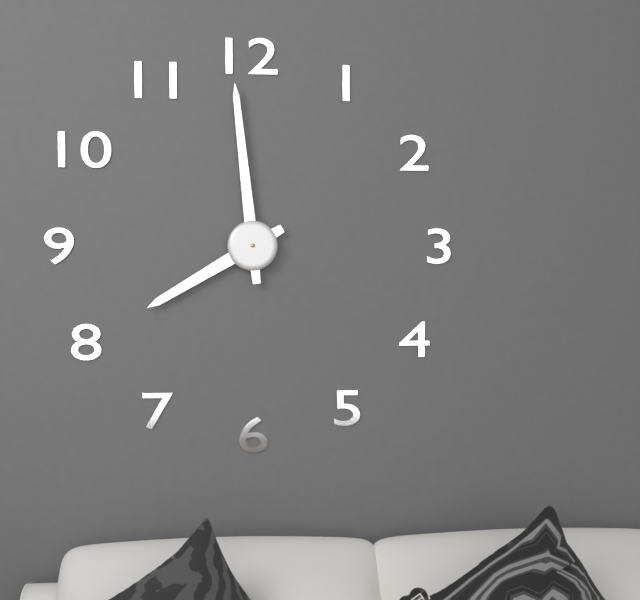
**7:59**
